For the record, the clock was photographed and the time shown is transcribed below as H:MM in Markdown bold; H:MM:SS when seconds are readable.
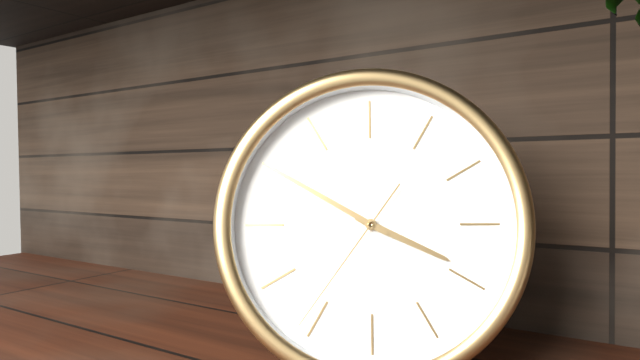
**3:50:36**
